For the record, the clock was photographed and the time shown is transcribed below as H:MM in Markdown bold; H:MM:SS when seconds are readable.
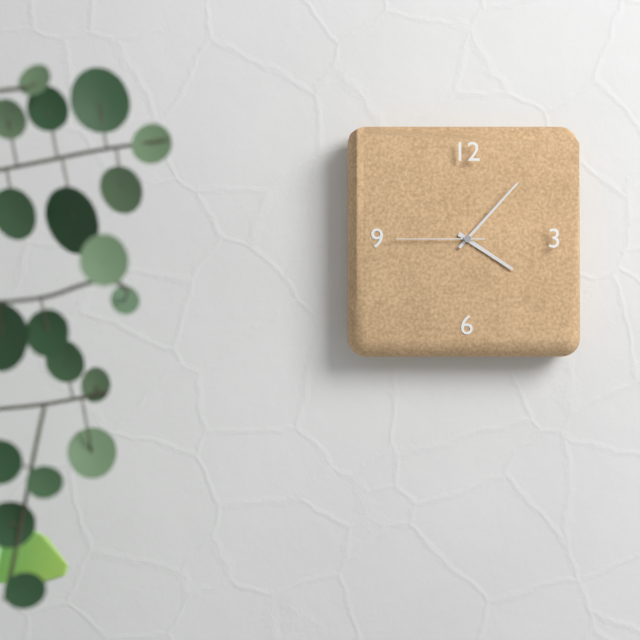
**4:07:45**
